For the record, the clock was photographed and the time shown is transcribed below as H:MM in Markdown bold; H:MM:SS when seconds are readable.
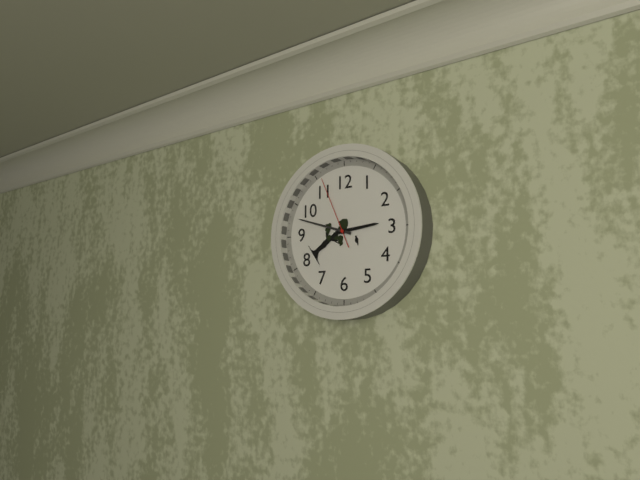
**2:48:56**
